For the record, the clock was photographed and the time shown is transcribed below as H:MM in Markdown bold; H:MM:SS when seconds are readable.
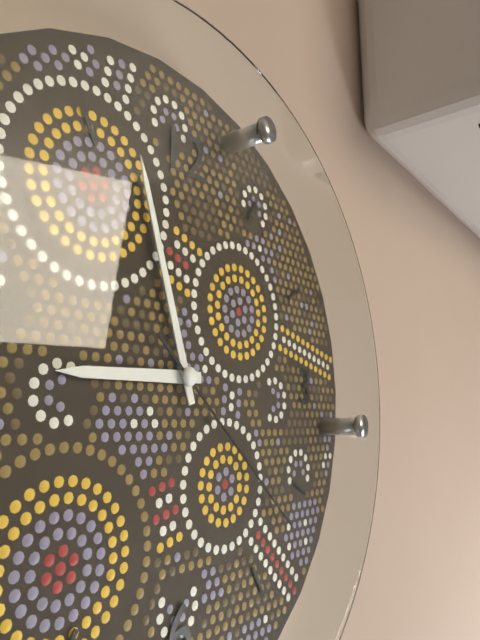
**8:57:22**
